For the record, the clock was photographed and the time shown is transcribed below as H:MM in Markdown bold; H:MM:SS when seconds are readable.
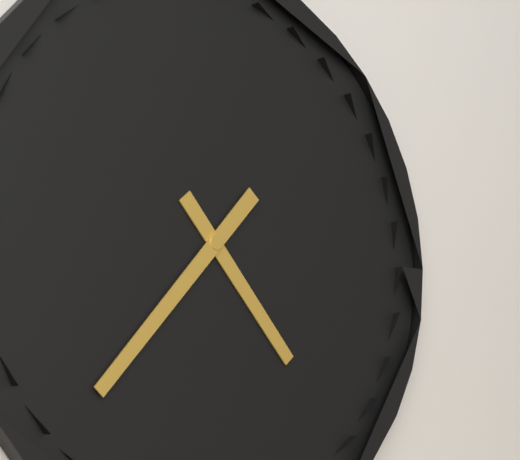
**4:37**
